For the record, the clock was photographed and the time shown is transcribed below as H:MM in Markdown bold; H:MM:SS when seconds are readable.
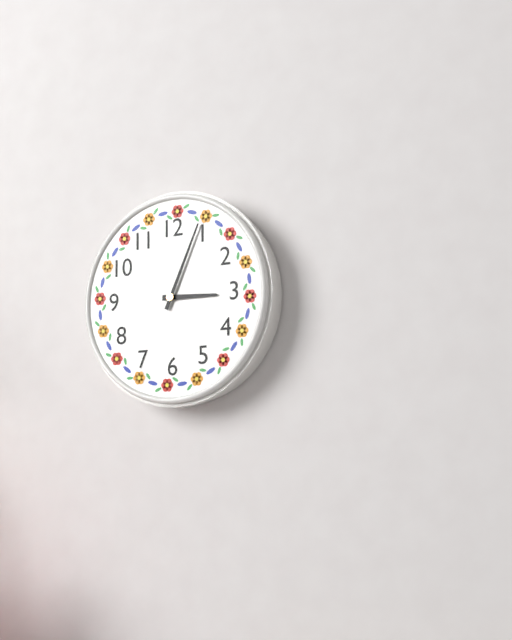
**3:04**
